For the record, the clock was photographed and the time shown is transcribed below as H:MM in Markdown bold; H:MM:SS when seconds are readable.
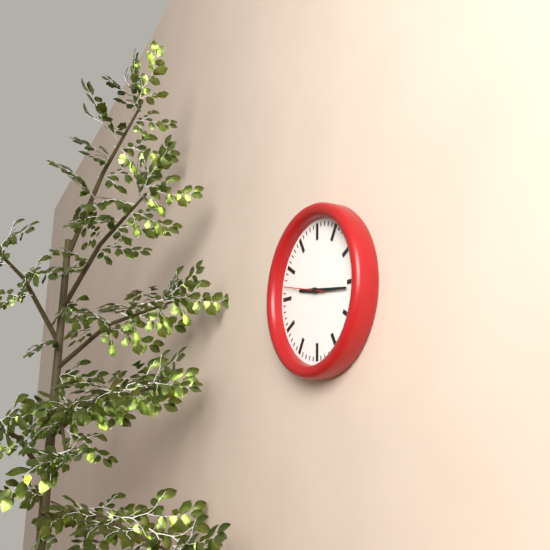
**9:16:47**
